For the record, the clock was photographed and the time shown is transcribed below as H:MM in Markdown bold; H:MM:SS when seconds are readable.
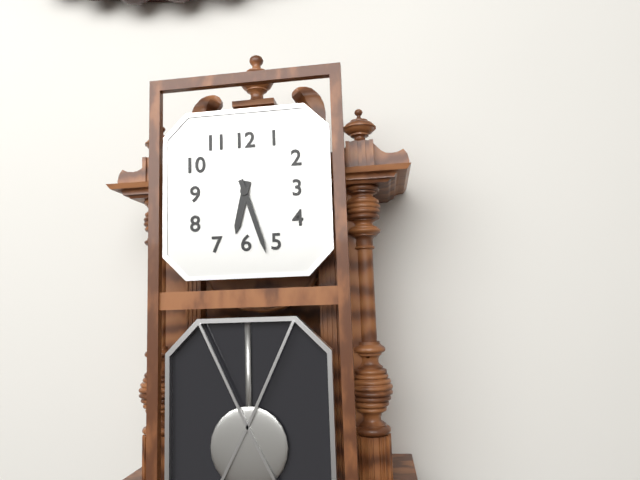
**6:27**
